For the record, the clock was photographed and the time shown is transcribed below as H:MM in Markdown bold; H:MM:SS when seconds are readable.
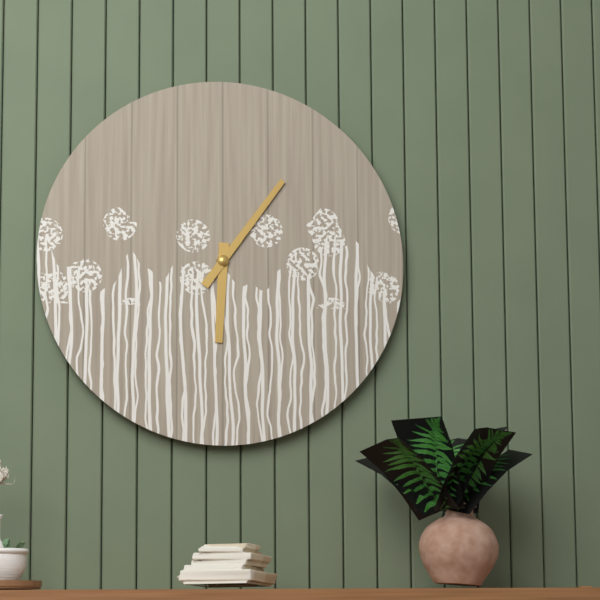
**6:06**
